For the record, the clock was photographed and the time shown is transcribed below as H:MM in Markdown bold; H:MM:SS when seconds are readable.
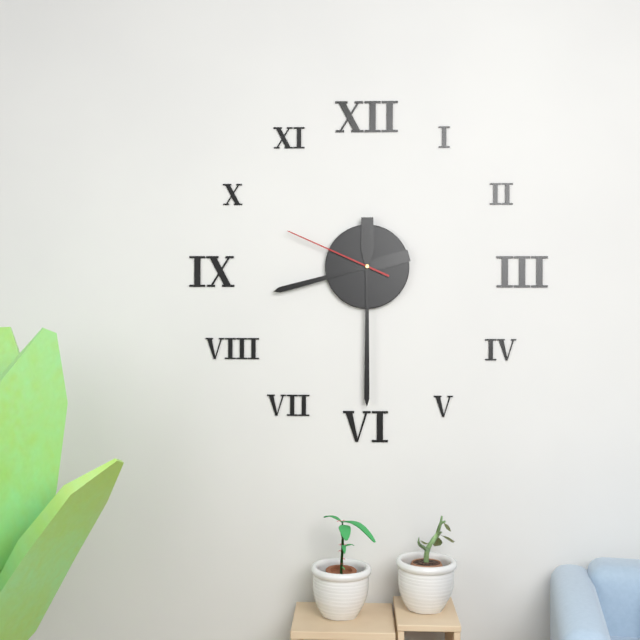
**8:30:49**
